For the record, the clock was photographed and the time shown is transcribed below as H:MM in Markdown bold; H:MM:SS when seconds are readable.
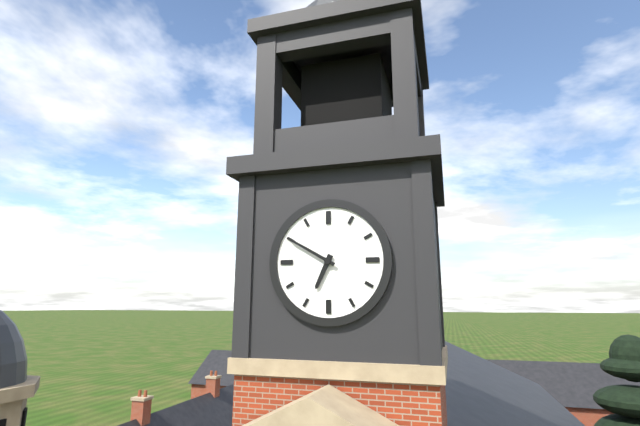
**6:50**
